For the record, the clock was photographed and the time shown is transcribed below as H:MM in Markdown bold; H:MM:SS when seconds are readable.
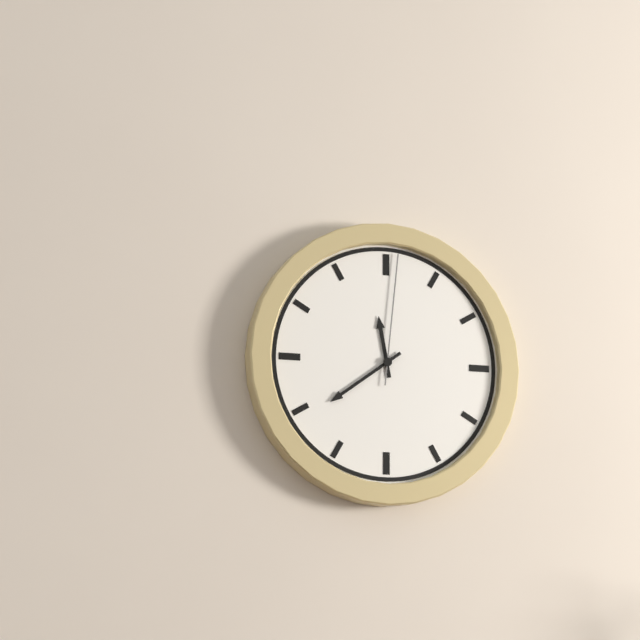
**11:39:01**
